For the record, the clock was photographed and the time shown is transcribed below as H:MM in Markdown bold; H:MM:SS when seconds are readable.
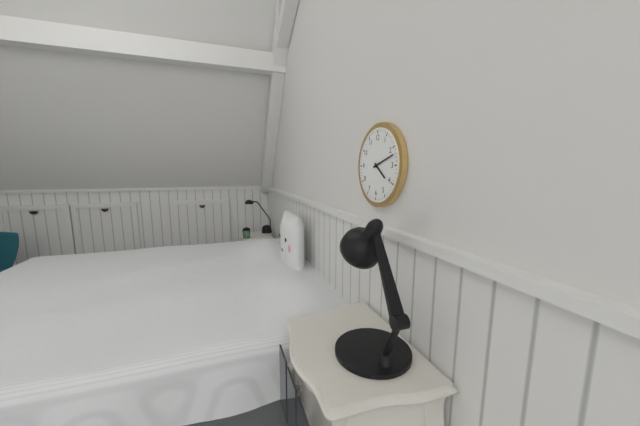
**4:12**
